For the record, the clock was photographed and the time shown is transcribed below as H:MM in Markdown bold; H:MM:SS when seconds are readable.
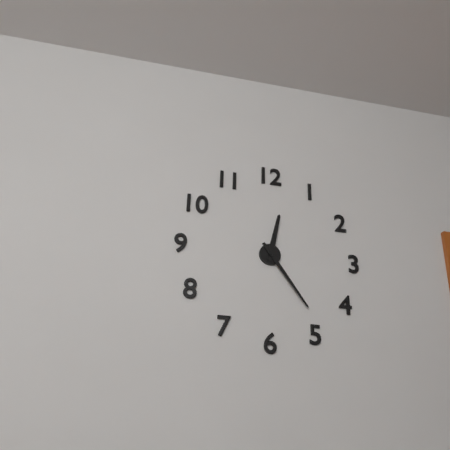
**12:24**
